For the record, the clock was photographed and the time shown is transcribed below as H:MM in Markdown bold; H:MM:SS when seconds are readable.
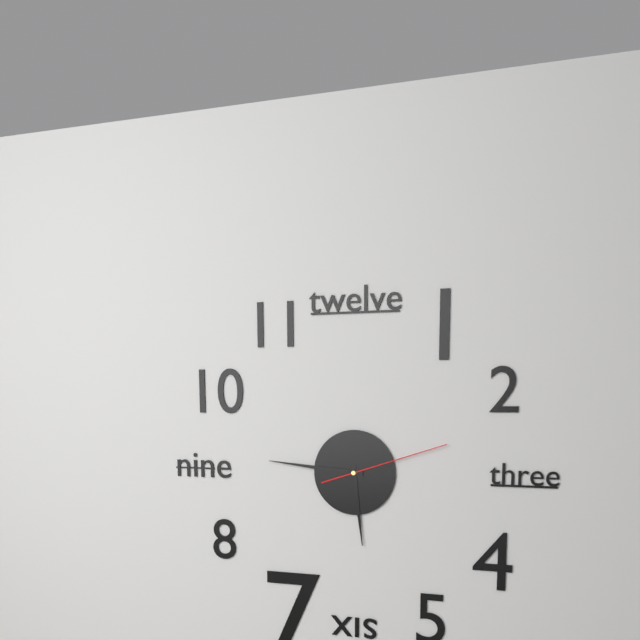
**5:46:12**
